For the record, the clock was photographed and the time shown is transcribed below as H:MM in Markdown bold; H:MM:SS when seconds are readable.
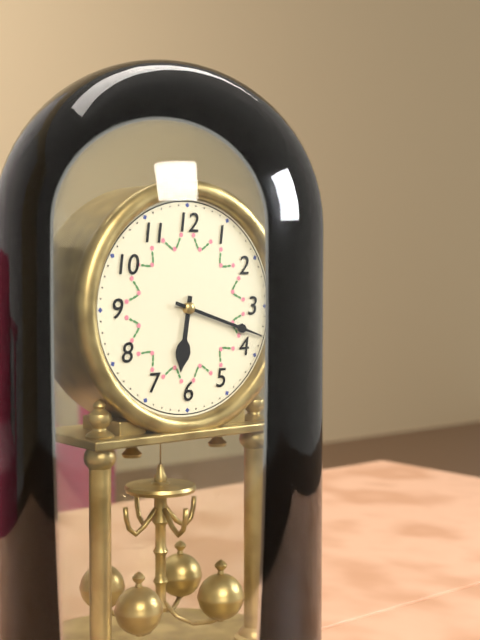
**6:18**
